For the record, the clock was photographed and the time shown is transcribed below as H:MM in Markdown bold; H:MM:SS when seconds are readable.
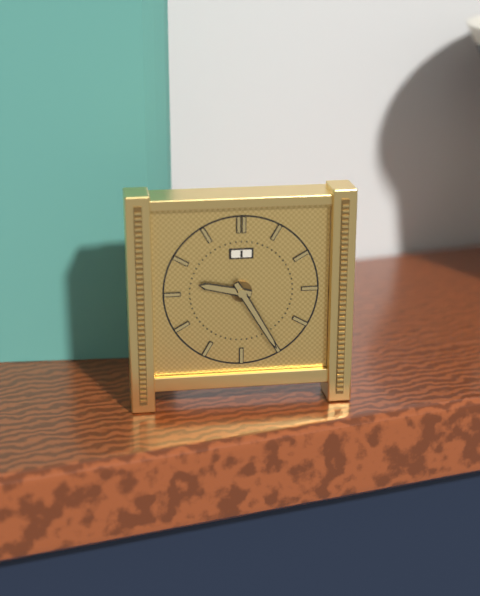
**9:25**
